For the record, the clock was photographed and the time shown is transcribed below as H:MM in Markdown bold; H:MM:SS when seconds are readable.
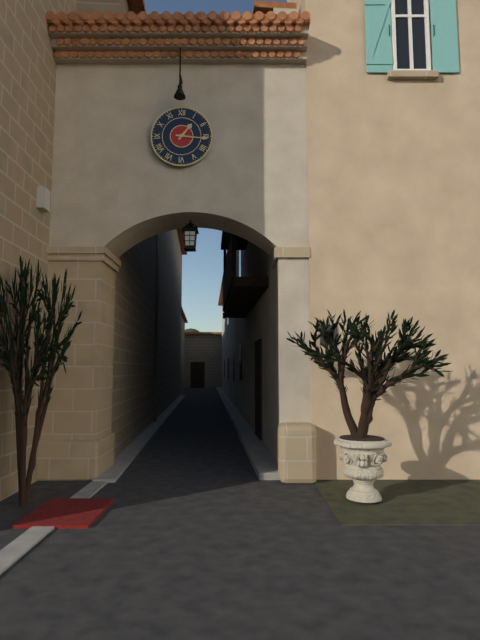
**1:16**
